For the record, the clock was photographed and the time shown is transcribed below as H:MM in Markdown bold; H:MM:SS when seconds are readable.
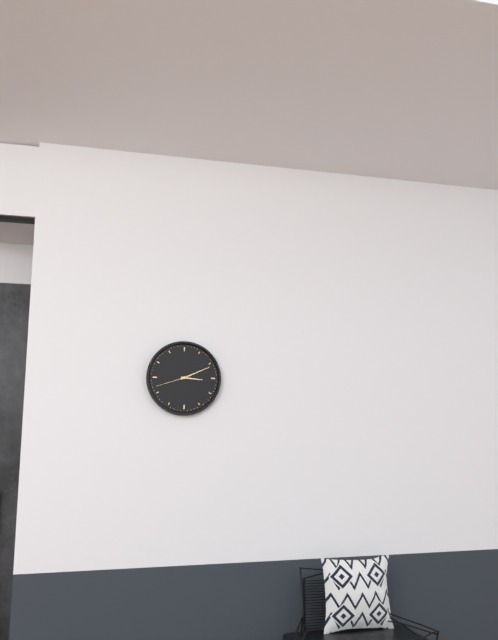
**3:11**
